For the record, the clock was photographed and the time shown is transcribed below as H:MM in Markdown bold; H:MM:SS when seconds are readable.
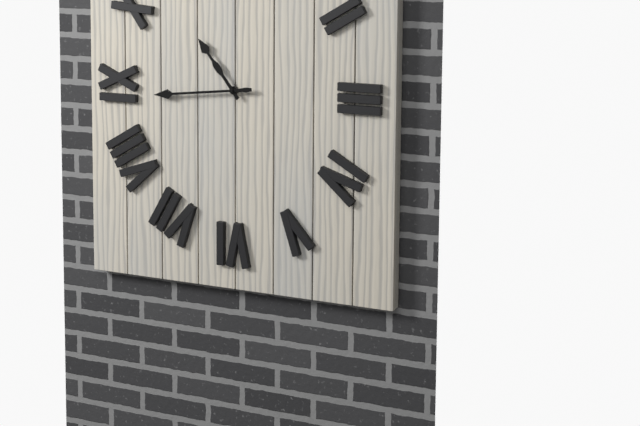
**10:44**
